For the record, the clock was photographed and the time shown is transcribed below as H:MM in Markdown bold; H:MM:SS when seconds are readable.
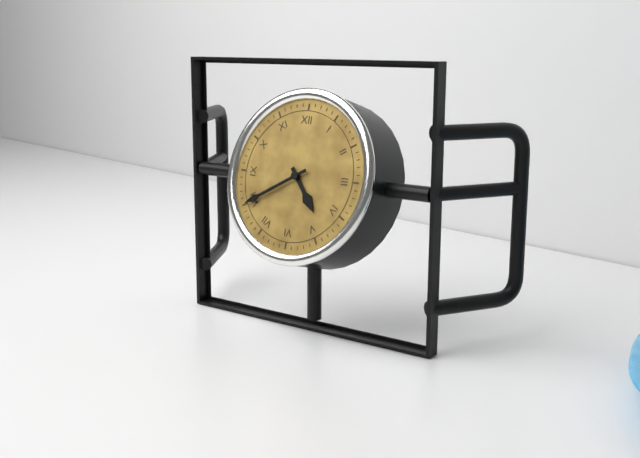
**4:40**
